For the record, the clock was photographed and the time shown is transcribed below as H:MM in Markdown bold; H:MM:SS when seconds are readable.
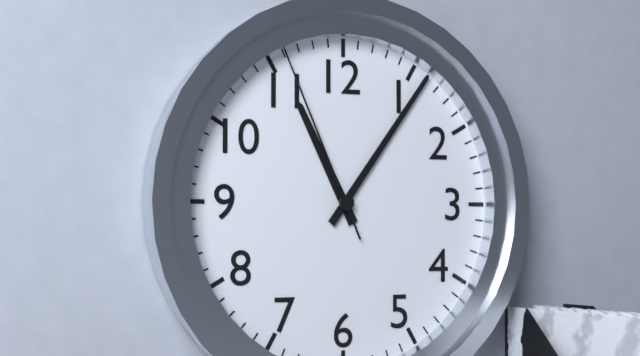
**11:06:56**
